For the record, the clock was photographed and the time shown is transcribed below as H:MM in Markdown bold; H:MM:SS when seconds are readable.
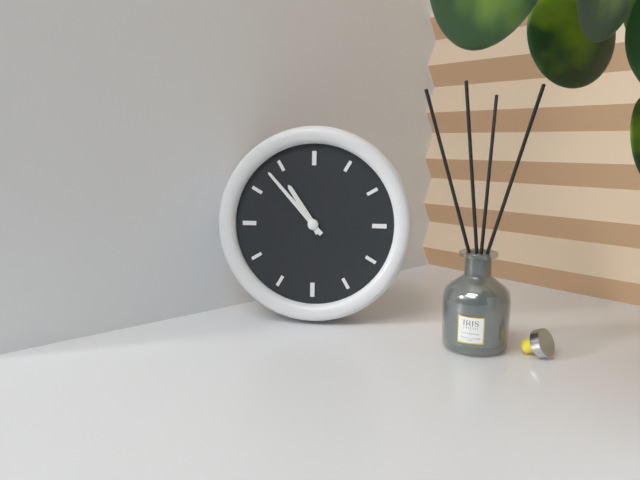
**10:53**
